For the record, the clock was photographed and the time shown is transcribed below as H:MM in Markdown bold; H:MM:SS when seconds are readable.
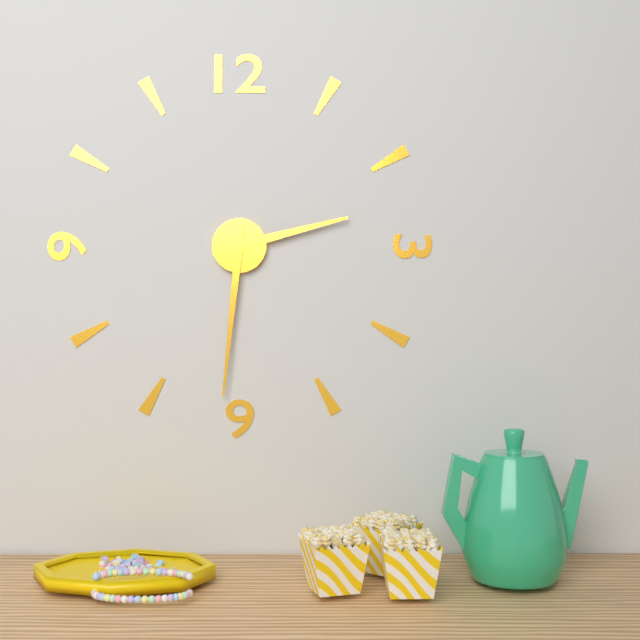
**2:31**
